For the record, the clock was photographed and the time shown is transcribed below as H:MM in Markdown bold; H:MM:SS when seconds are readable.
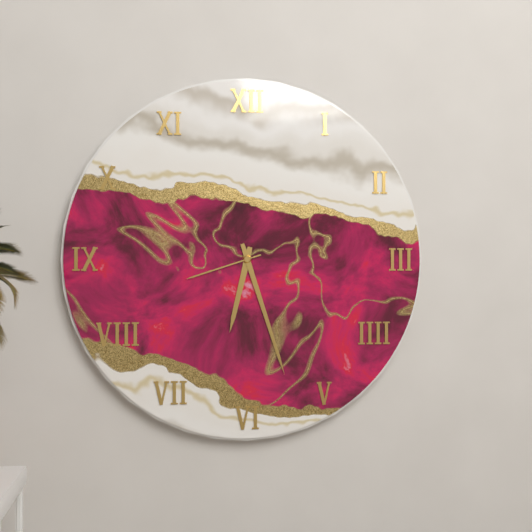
**6:27:42**
